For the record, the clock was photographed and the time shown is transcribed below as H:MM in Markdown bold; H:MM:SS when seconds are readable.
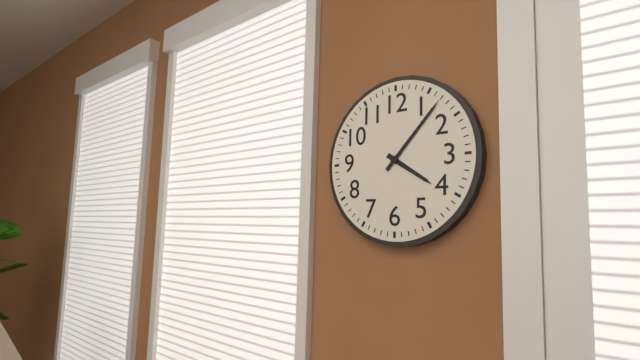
**4:07**
